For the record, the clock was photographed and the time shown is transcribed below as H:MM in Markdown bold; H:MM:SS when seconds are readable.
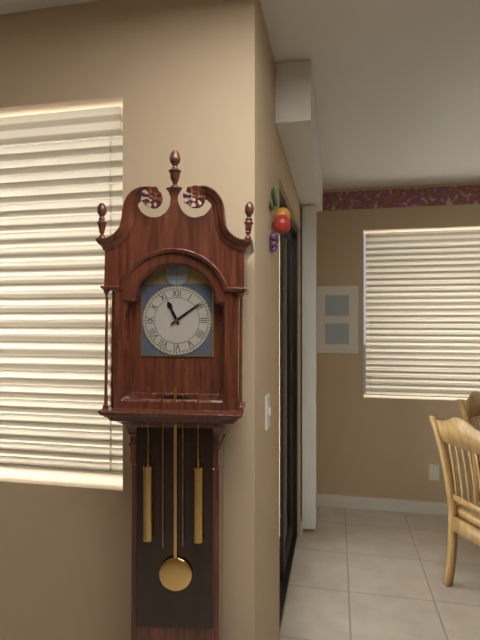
**11:09**
